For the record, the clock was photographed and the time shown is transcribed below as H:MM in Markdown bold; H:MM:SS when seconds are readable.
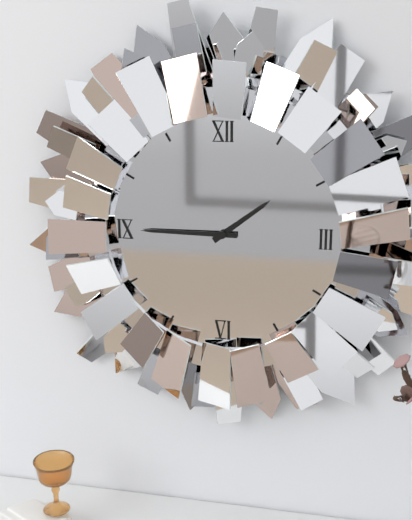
**1:45**
